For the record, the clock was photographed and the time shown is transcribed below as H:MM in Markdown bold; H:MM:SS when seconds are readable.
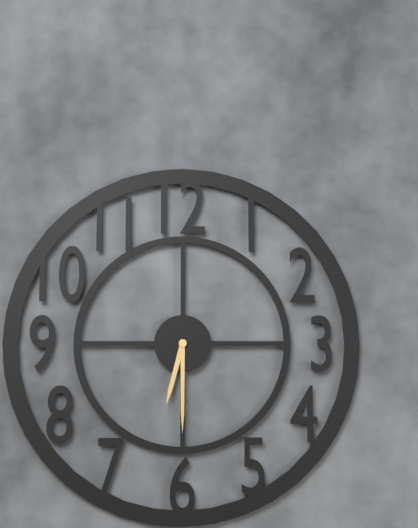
**6:30**
